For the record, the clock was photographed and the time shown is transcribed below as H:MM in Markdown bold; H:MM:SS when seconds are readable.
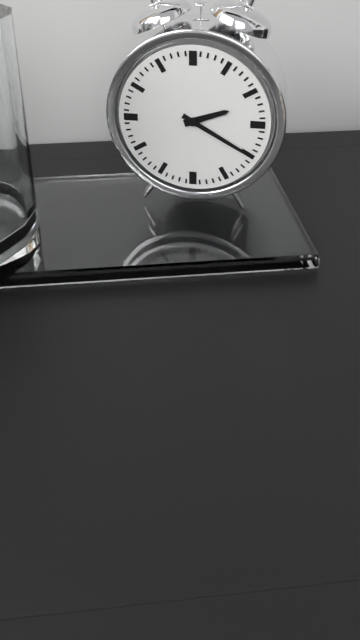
**2:20**
